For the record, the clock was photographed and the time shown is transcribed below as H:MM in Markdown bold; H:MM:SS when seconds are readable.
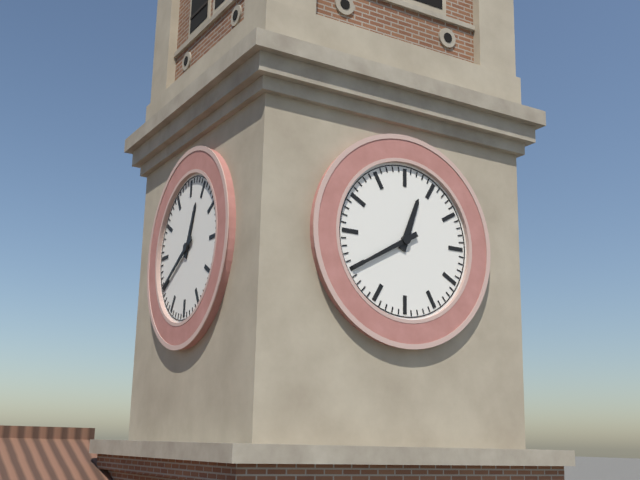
**12:40**
